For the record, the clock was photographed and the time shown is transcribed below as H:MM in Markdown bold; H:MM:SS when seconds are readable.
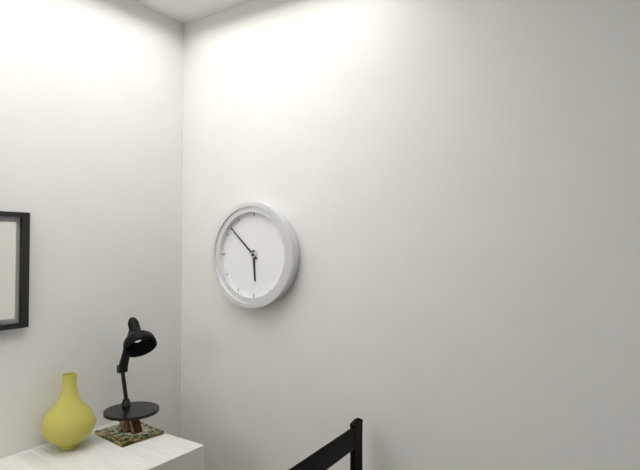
**5:52**
